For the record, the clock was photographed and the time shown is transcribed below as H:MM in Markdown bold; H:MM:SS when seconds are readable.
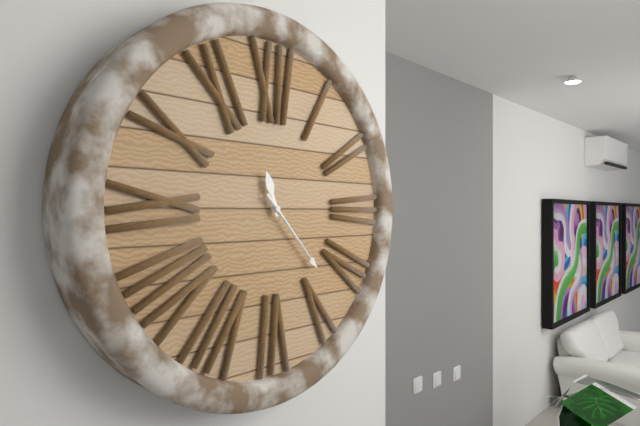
**11:23:23**
